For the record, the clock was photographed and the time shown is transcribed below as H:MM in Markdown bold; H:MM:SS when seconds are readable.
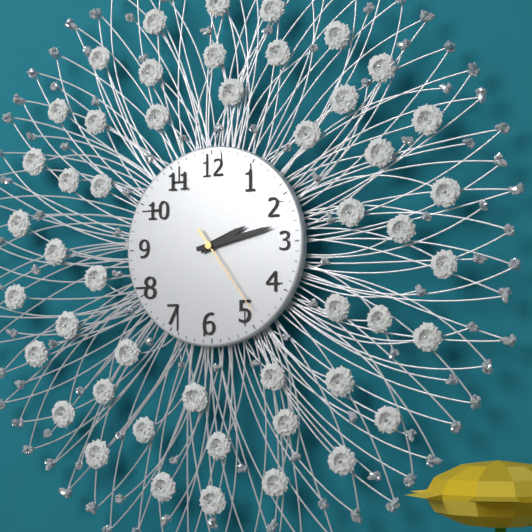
**2:13:24**
